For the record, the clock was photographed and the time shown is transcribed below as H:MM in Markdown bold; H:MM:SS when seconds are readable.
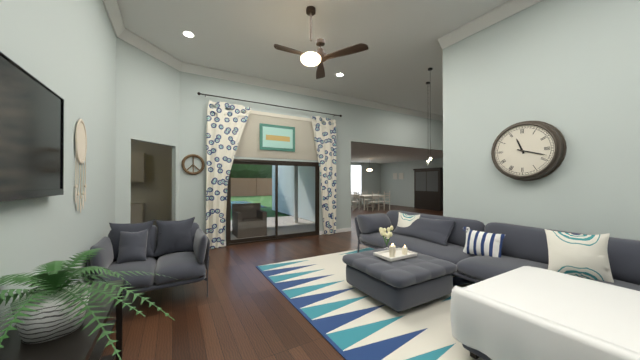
**11:18**
